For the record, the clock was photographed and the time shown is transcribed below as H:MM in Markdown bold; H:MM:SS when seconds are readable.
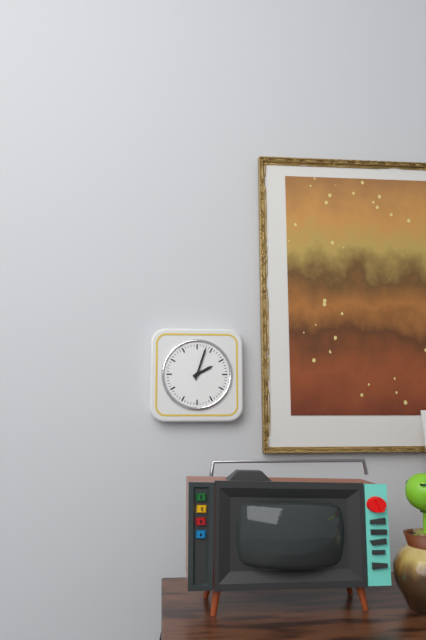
**2:03**
